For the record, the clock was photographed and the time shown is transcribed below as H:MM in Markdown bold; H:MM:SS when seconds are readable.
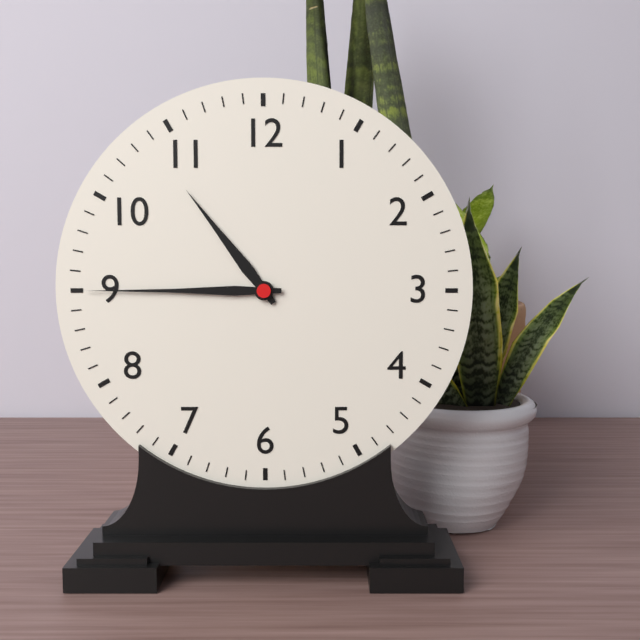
**10:45**
